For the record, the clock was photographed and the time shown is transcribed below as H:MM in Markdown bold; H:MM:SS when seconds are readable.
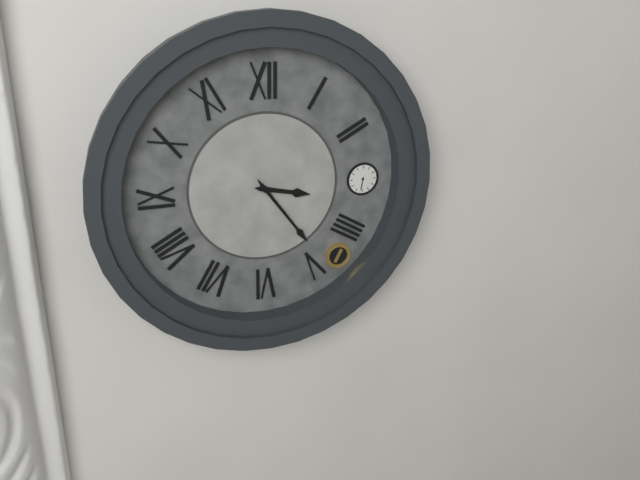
**3:24**
